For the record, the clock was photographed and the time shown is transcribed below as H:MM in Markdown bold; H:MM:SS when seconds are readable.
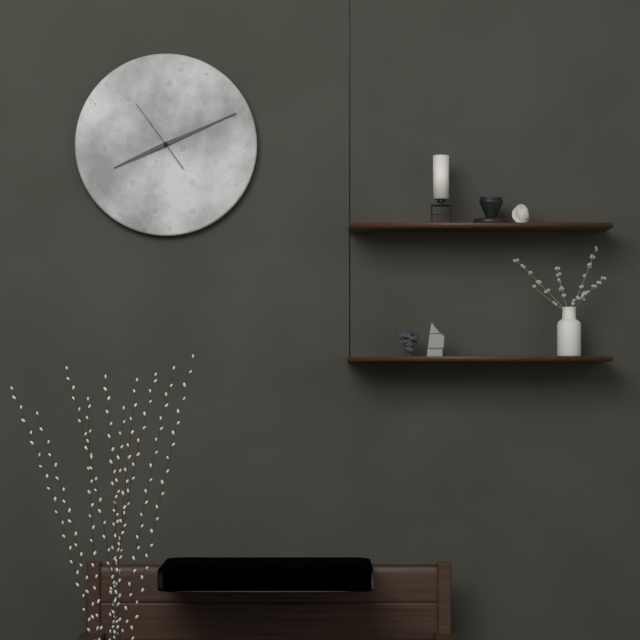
**8:11:54**
